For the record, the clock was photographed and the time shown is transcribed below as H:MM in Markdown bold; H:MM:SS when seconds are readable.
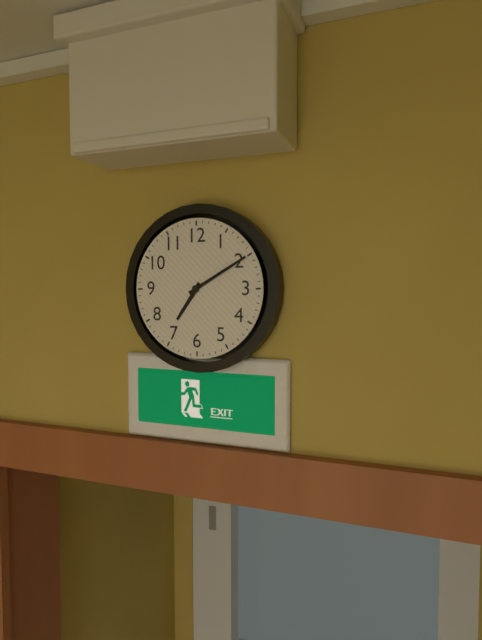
**7:10**
